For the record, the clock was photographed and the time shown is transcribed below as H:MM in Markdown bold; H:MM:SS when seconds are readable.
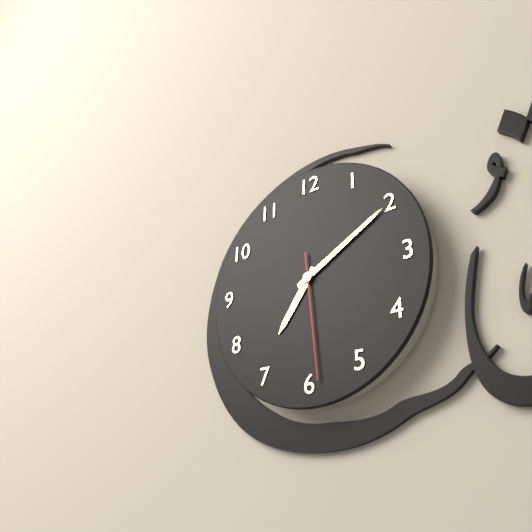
**7:10:29**
